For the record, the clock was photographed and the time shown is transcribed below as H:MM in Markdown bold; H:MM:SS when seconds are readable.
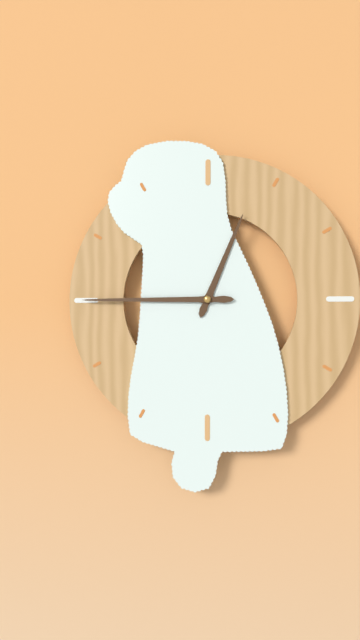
**12:45**
